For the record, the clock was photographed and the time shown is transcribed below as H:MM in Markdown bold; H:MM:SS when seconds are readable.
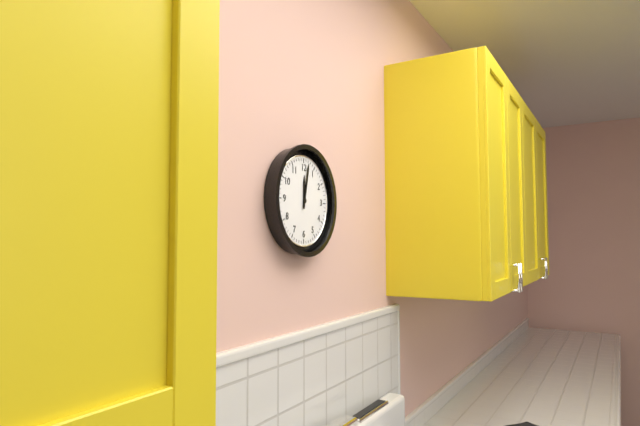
**12:02**
